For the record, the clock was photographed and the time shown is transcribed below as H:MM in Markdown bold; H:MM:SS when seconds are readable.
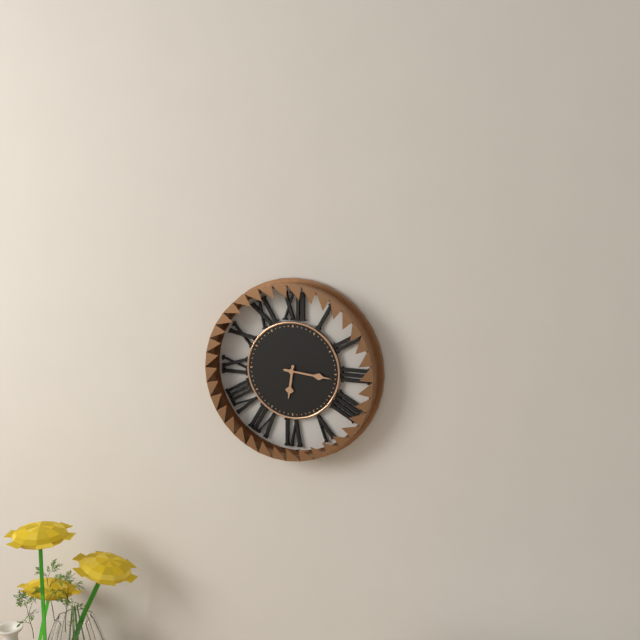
**6:16**
